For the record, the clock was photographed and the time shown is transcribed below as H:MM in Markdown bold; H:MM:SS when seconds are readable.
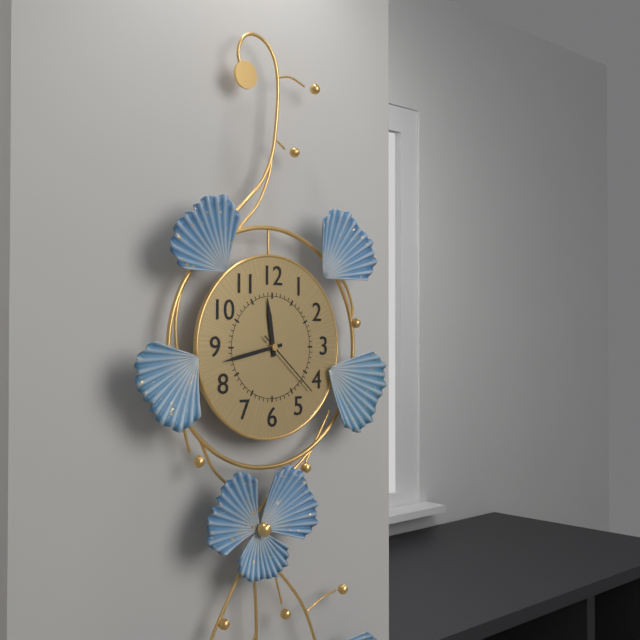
**11:43:22**
